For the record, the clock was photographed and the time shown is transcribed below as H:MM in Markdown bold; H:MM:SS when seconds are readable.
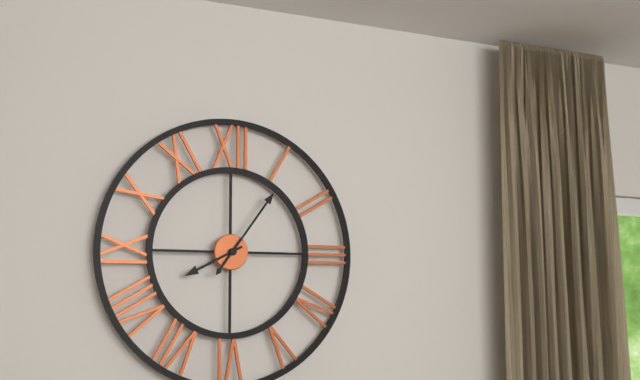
**8:06**
